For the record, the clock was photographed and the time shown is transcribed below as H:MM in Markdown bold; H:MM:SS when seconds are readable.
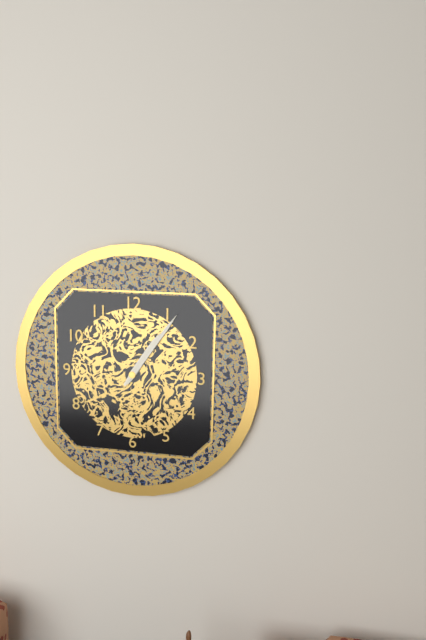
**1:06**
